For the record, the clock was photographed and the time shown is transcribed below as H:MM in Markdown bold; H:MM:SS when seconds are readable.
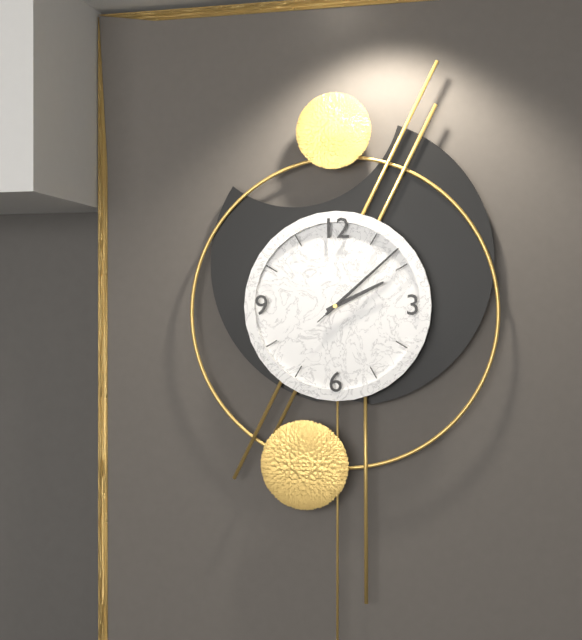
**2:08:08**
